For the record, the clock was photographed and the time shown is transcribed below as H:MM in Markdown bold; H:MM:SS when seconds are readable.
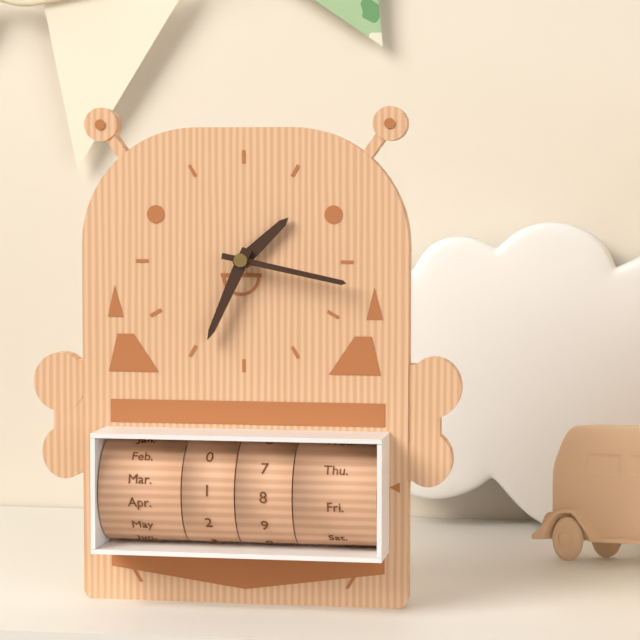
**1:34:17**
